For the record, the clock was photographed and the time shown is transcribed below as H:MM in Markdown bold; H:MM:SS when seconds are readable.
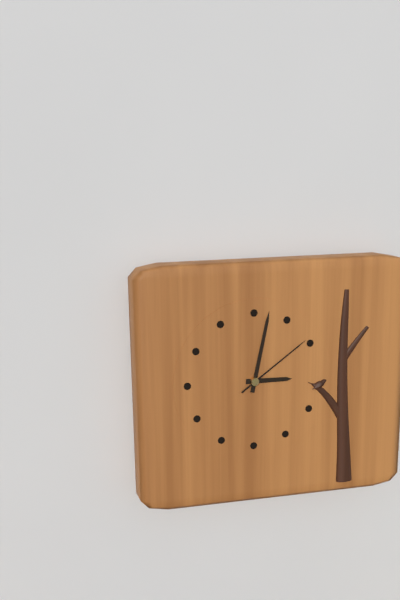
**3:02:09**
